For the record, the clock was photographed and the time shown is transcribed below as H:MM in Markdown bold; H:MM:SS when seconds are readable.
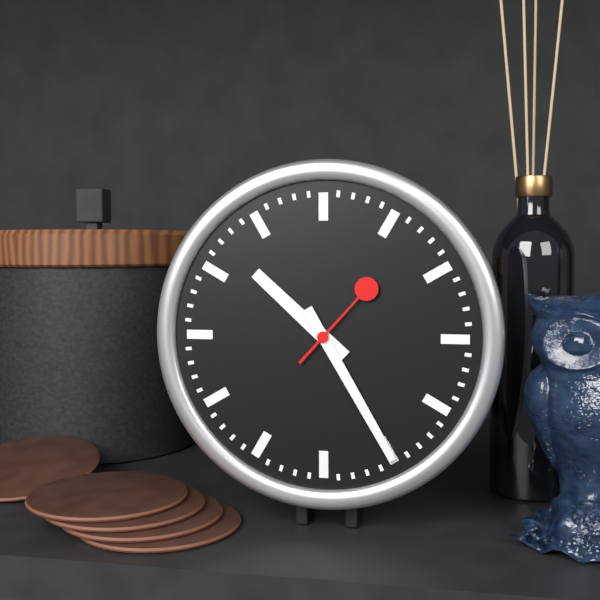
**10:25:07**
